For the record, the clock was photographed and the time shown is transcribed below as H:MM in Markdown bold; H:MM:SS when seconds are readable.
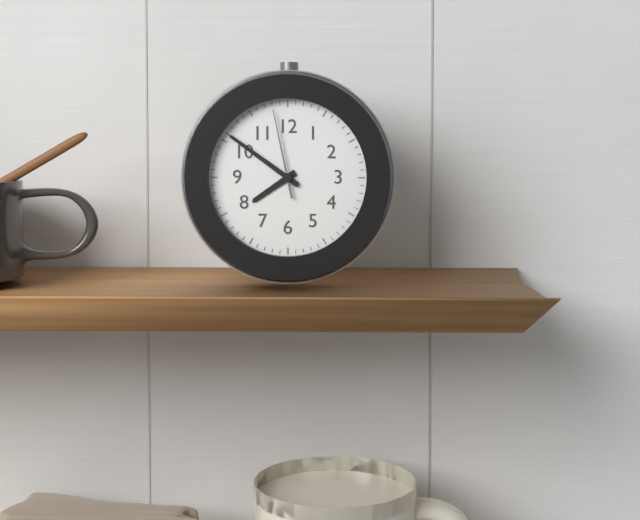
**7:51:58**
